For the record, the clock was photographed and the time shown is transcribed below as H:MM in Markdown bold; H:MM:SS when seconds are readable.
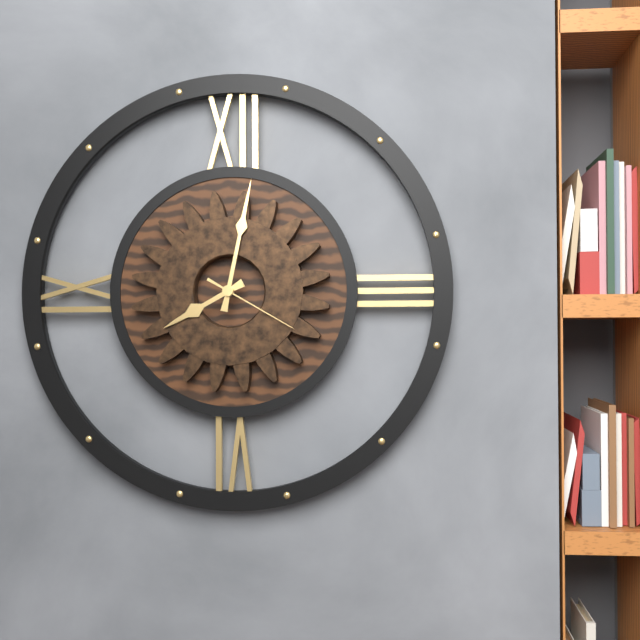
**8:02:20**
